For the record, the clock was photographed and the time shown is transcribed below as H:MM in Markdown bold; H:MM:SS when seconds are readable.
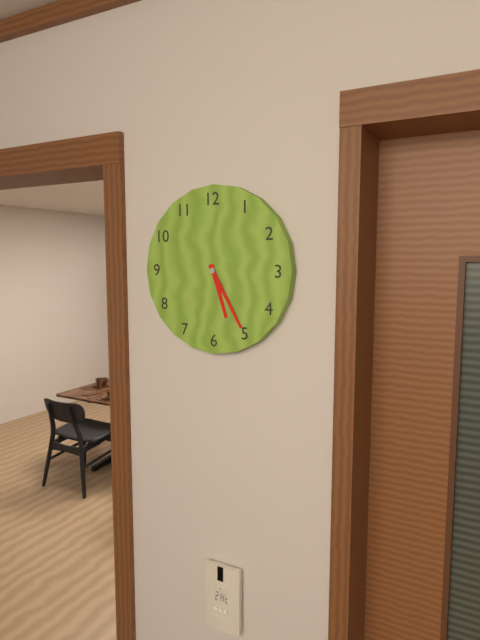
**5:25**
